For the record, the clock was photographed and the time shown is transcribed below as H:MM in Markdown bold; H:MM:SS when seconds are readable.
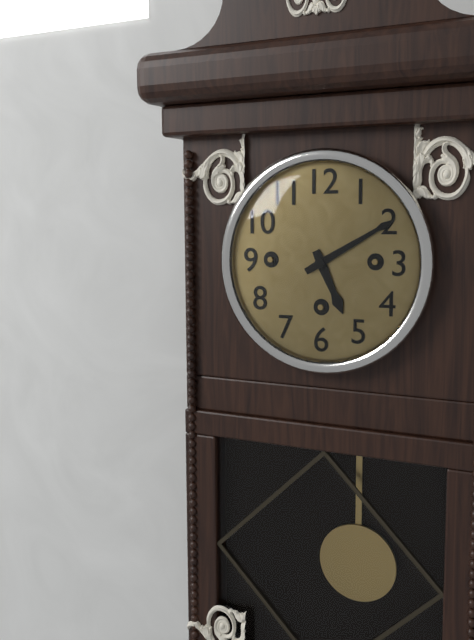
**5:10**
